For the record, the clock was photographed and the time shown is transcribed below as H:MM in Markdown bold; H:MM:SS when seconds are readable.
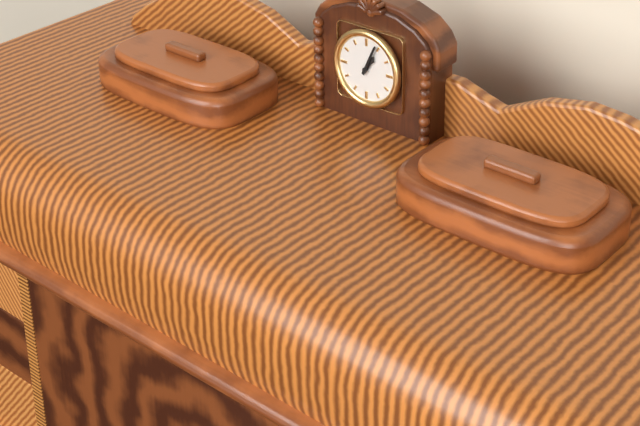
**1:04**
